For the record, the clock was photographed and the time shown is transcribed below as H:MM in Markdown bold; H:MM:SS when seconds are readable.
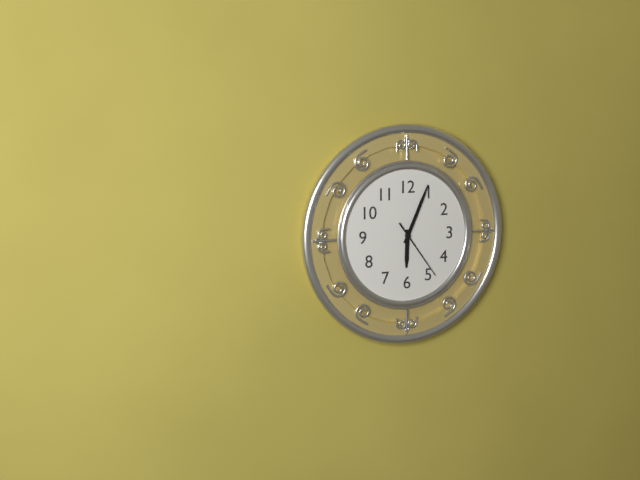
**6:04:24**
